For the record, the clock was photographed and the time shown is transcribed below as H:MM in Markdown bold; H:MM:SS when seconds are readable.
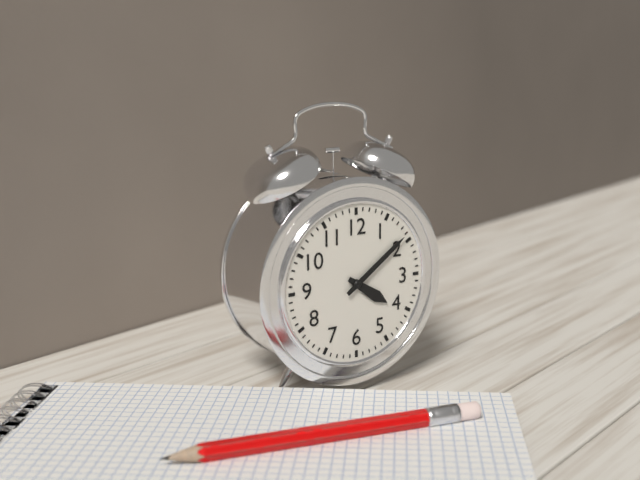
**4:09**
